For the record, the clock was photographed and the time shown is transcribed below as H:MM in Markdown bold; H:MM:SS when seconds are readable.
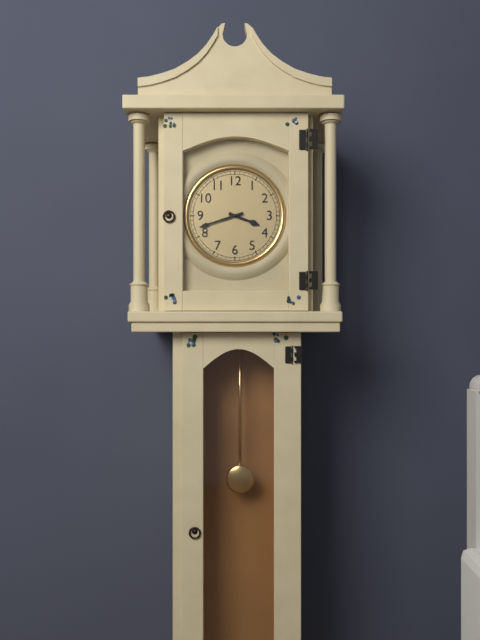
**3:42**
